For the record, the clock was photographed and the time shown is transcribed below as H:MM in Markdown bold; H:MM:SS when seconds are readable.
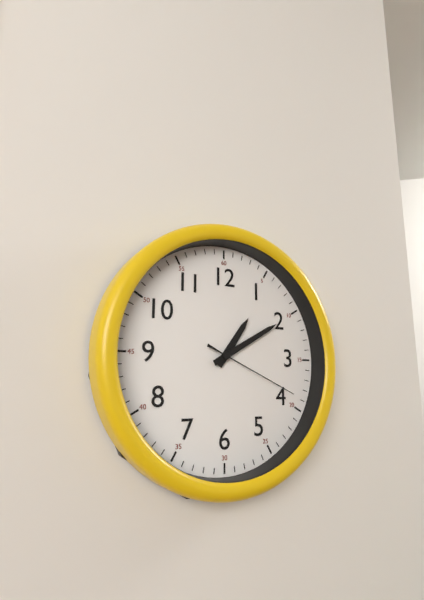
**1:10:19**
